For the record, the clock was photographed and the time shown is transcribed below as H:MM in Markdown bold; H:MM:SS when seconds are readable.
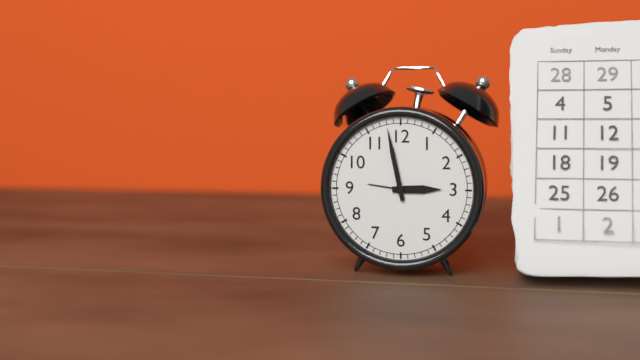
**2:58**
